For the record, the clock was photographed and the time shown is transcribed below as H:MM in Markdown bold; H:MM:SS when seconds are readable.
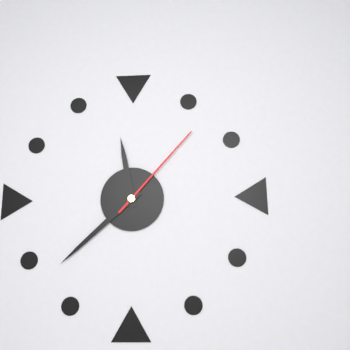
**11:38:07**
